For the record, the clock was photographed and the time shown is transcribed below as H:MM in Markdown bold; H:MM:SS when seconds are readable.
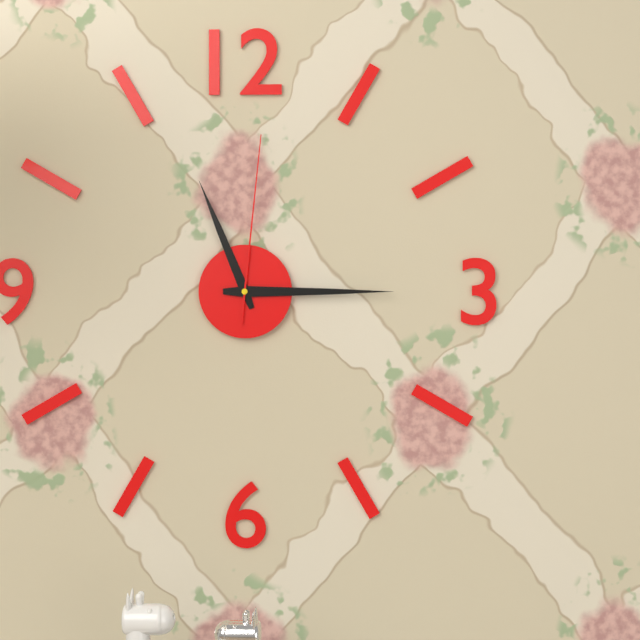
**11:15:01**
